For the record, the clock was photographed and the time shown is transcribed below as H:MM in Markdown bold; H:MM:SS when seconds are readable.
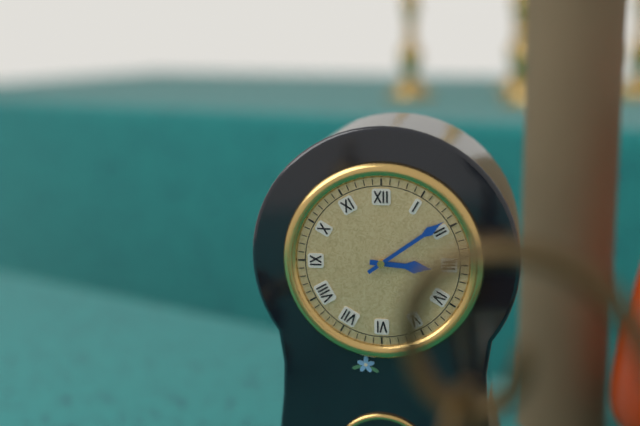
**3:09**
